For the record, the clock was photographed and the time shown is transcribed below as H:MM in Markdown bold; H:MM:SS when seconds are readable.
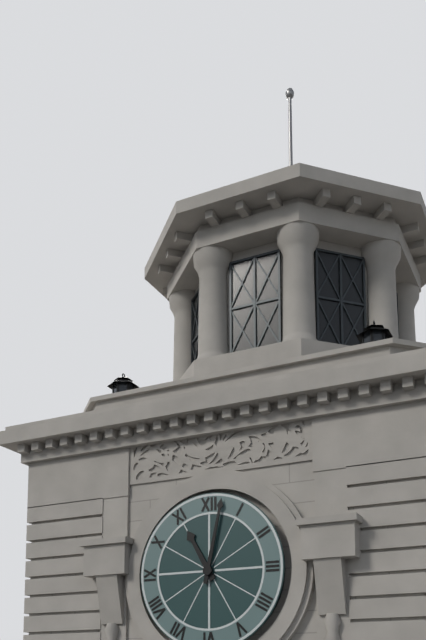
**11:02**
